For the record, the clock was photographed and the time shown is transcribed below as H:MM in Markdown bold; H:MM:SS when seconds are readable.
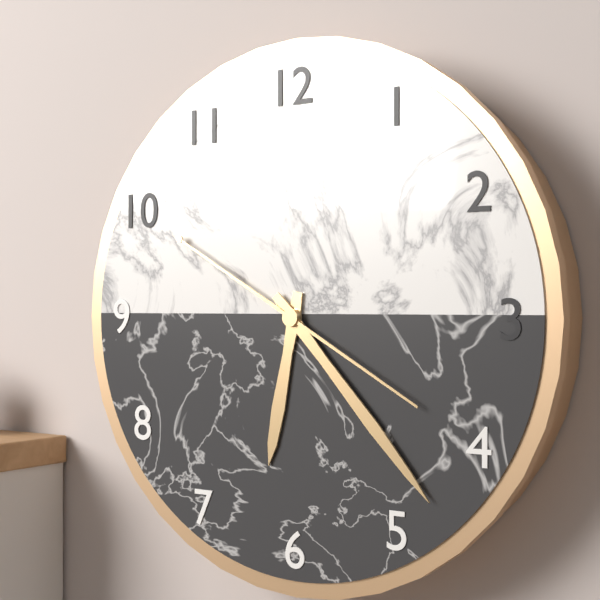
**6:23:50**
